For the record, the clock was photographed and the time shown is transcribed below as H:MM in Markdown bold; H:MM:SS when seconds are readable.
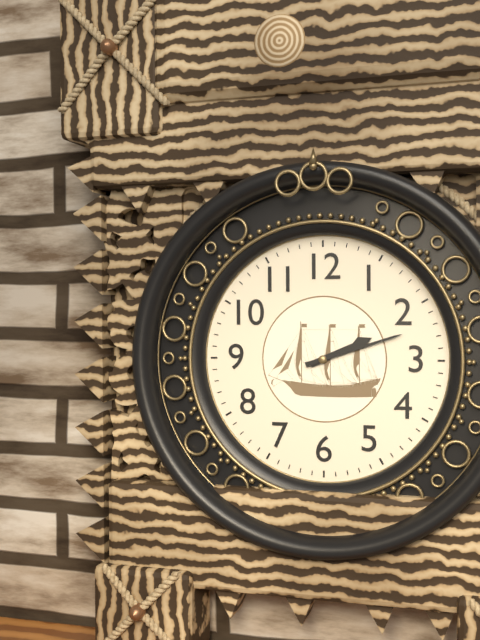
**2:12**
